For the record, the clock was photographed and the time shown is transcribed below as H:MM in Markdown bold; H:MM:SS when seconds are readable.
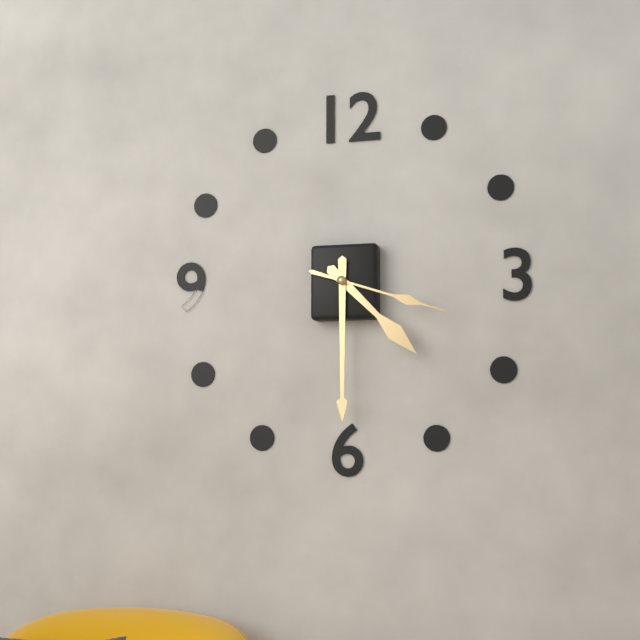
**4:30:18**
